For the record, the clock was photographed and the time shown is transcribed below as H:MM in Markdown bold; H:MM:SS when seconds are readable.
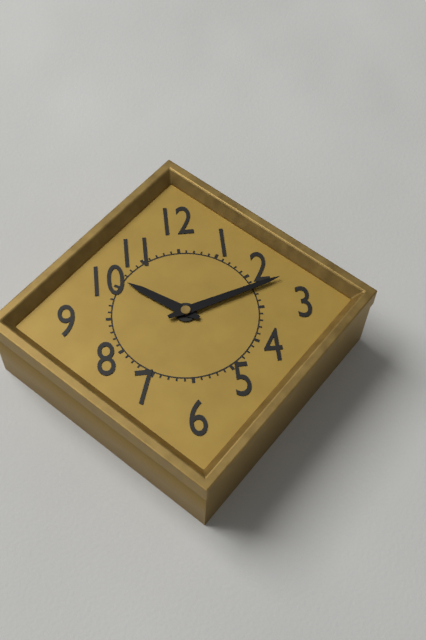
**10:12**
